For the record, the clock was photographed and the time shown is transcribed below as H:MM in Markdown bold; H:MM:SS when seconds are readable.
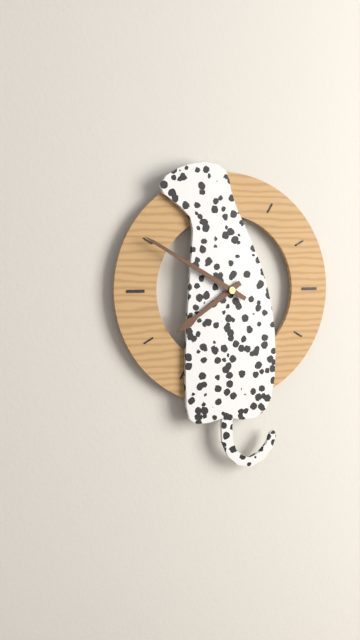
**7:50**
